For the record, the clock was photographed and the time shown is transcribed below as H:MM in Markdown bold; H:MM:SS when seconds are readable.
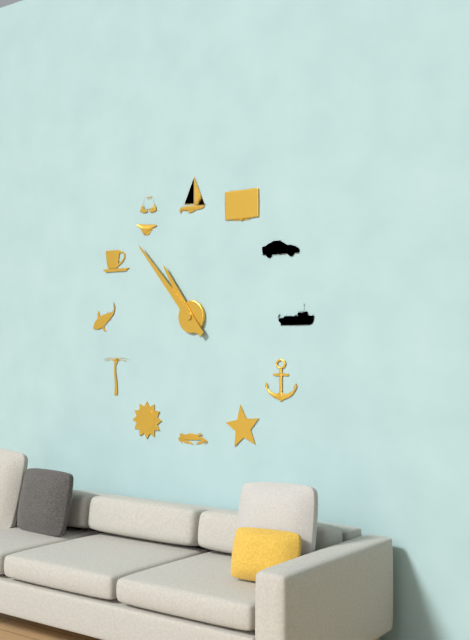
**10:53**
